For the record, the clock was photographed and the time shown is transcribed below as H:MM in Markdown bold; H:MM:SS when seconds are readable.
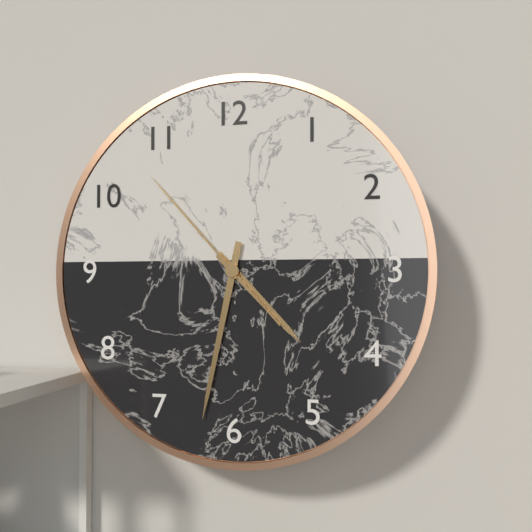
**4:32:53**
